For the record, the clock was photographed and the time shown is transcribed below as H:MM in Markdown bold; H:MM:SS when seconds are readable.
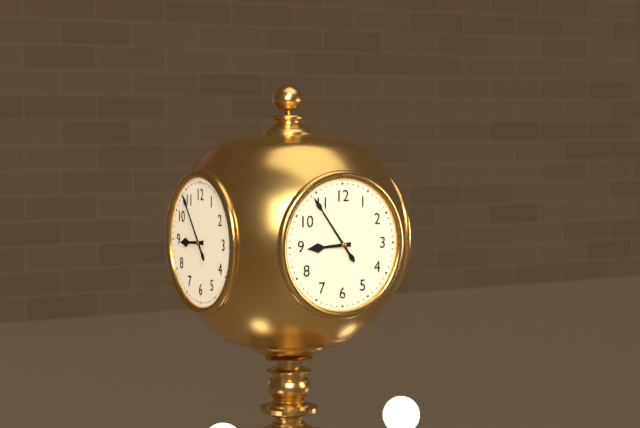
**8:54**
